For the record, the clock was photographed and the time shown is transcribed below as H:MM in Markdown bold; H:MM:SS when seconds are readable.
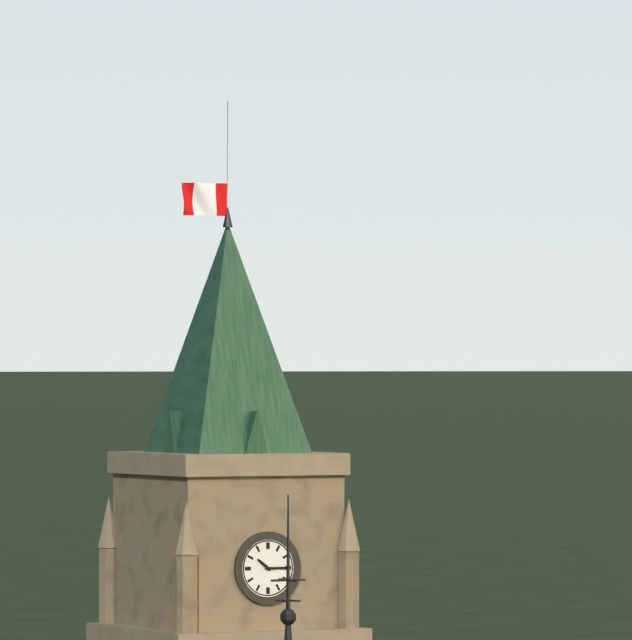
**10:15**
